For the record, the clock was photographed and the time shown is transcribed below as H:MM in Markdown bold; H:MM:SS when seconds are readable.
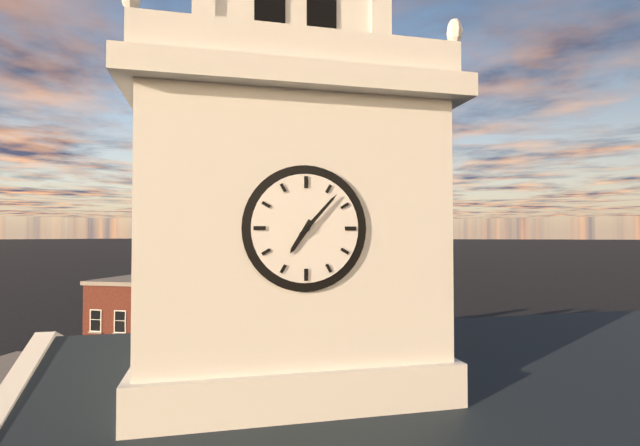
**7:07**
